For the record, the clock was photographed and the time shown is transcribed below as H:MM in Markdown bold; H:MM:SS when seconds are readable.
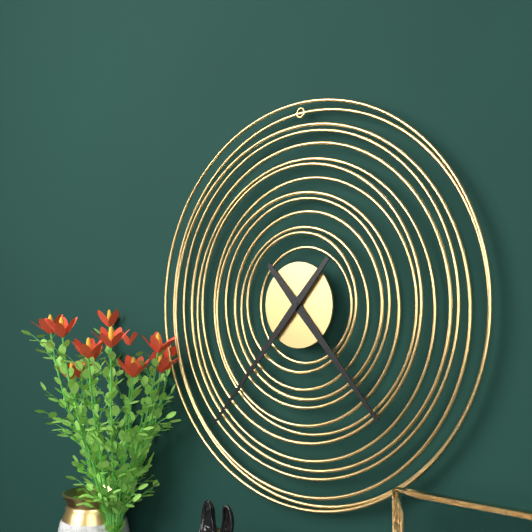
**4:37**
